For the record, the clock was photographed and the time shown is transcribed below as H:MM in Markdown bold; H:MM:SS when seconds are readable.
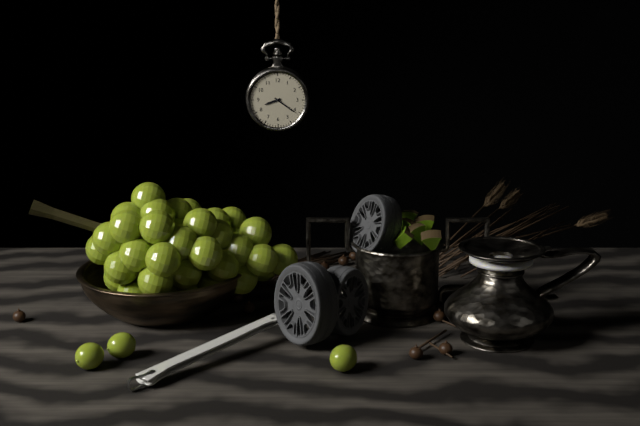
**8:21**
